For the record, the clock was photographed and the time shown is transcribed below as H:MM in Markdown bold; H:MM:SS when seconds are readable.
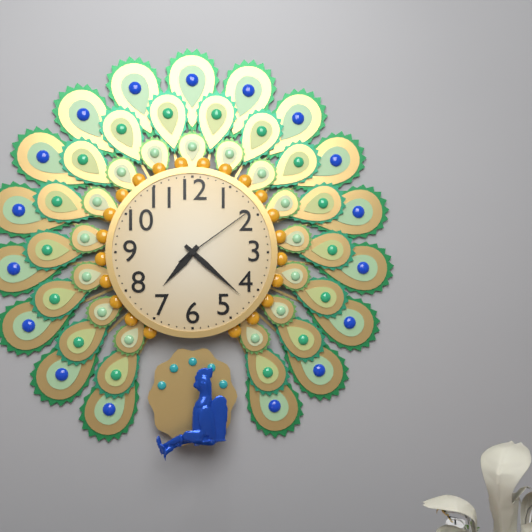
**7:22:09**
